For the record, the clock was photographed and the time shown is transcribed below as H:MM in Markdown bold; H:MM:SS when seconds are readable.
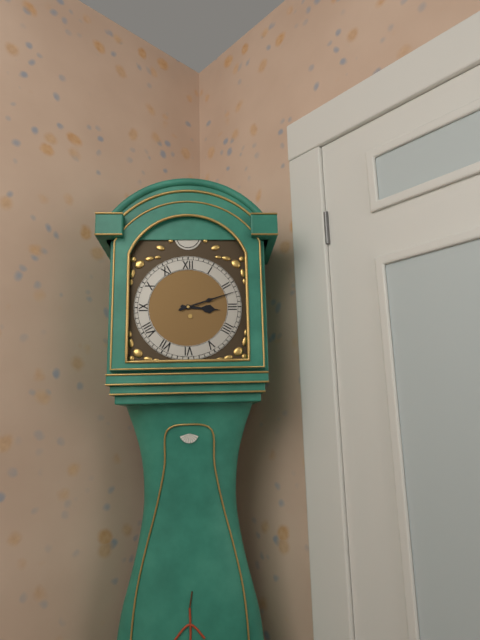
**3:12**
